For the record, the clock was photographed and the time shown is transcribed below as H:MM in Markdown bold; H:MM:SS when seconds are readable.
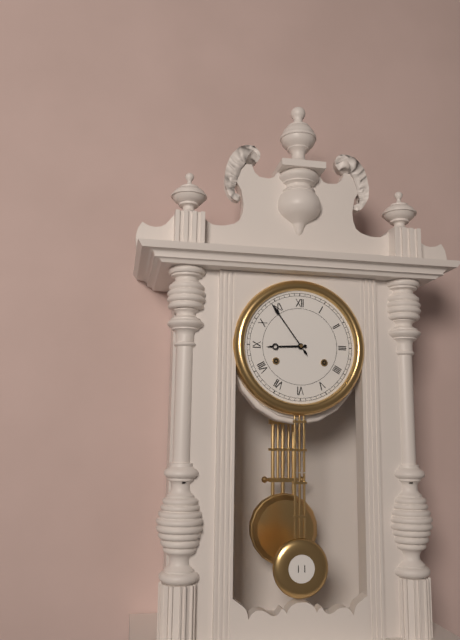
**8:54**
